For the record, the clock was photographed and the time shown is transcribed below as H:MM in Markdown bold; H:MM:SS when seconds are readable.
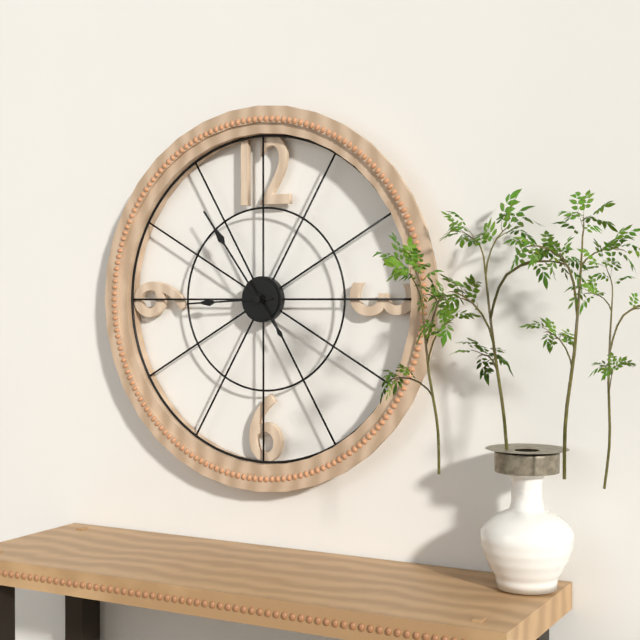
**8:54**
